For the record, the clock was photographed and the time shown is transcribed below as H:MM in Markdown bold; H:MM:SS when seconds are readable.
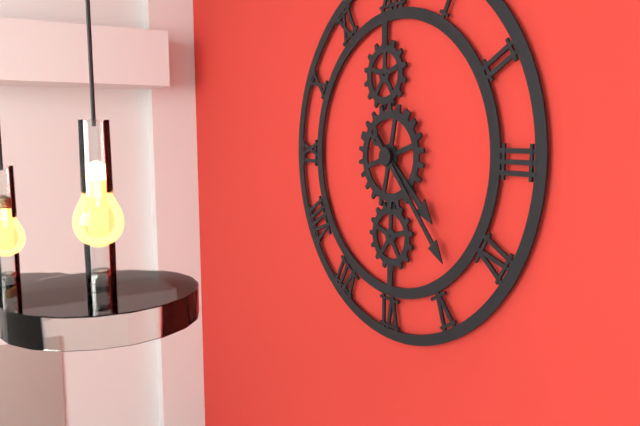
**4:23**
